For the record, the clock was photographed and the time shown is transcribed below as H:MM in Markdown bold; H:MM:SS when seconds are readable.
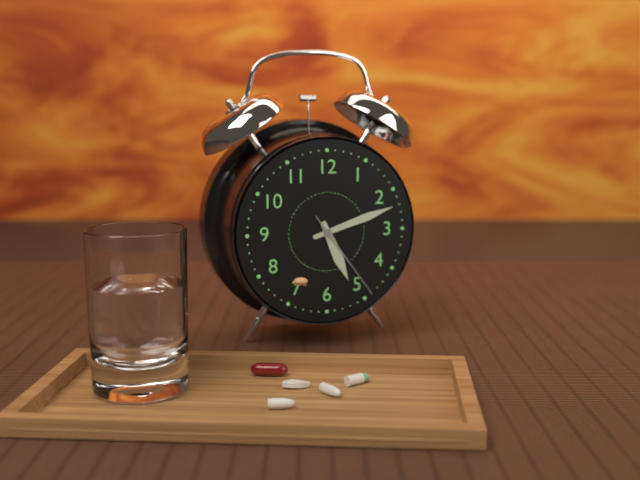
**5:12:24**
